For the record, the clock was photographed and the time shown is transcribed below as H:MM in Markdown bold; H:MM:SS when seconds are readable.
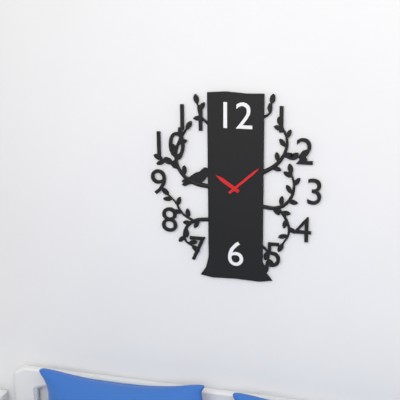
**10:08**
